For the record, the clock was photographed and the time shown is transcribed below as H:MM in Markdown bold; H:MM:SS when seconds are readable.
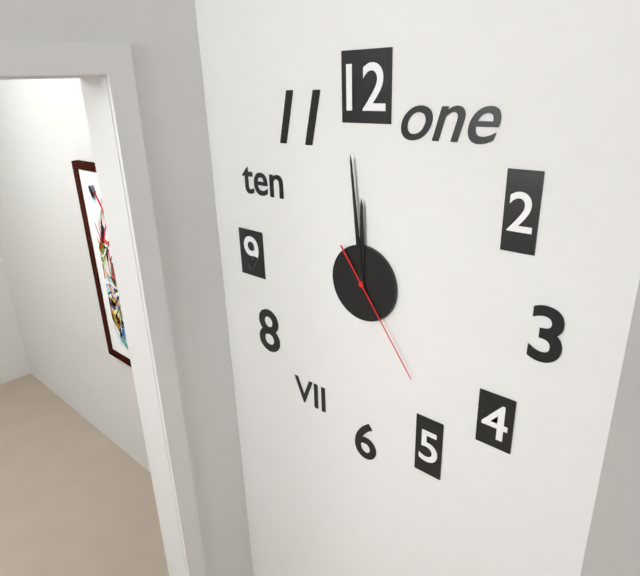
**11:59:24**
